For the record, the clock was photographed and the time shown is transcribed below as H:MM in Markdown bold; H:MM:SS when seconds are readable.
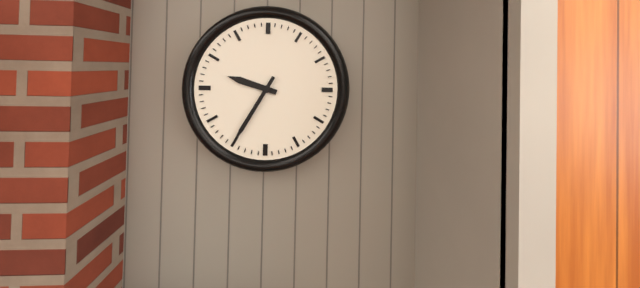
**9:35**
